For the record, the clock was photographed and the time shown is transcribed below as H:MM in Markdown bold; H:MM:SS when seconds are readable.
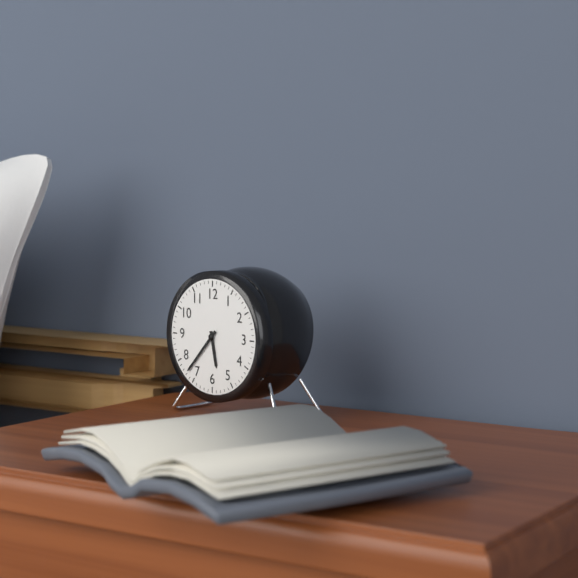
**5:37**
